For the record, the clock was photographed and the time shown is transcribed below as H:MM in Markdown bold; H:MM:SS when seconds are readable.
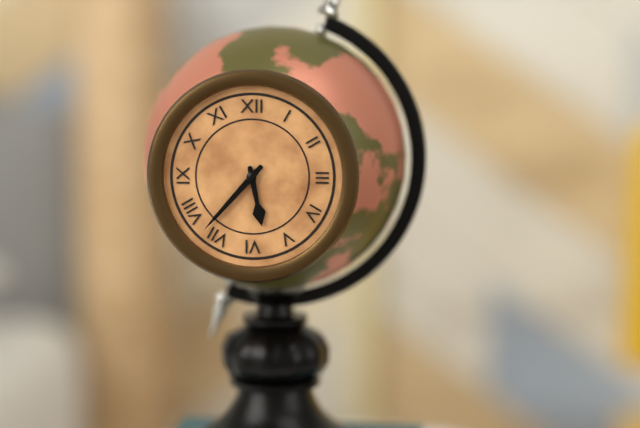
**5:37**
